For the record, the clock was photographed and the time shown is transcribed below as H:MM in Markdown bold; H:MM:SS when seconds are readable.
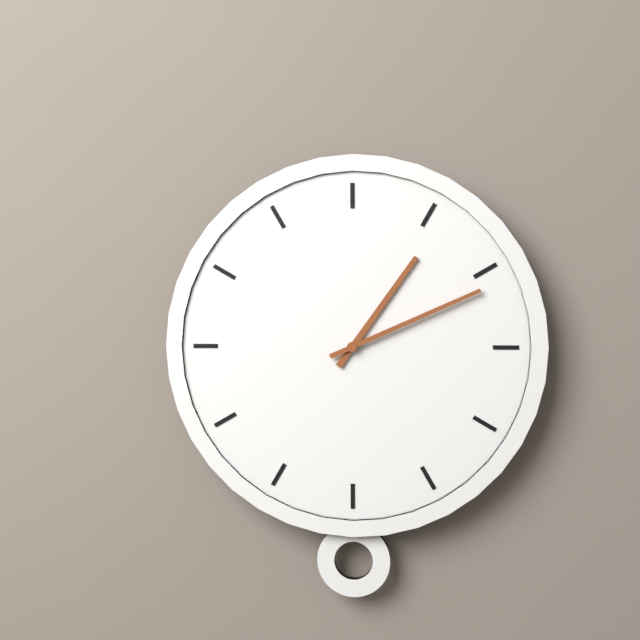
**1:11**
